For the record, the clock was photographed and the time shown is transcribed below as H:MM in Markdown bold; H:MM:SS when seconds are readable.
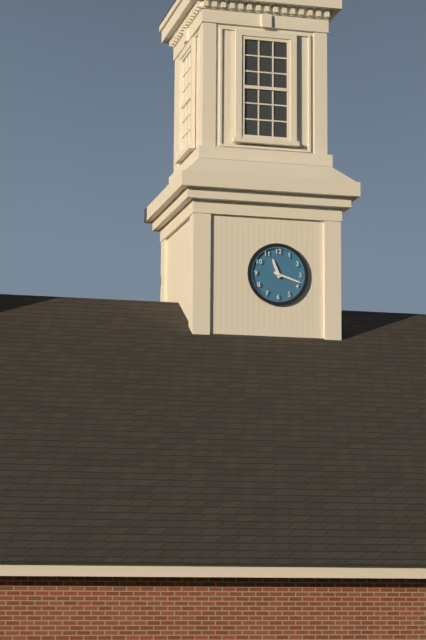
**11:18**
